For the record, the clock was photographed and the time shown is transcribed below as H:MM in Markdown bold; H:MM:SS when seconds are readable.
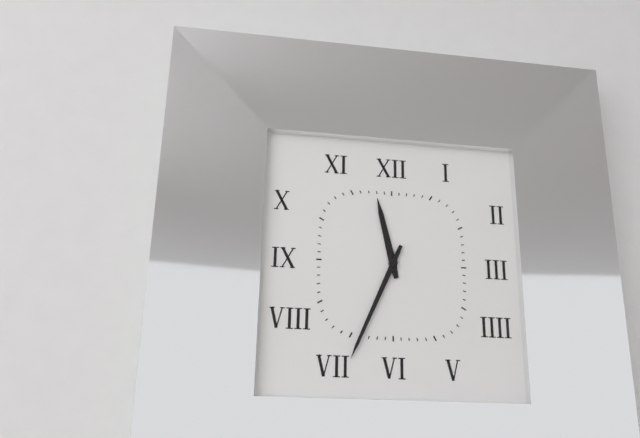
**11:34**
